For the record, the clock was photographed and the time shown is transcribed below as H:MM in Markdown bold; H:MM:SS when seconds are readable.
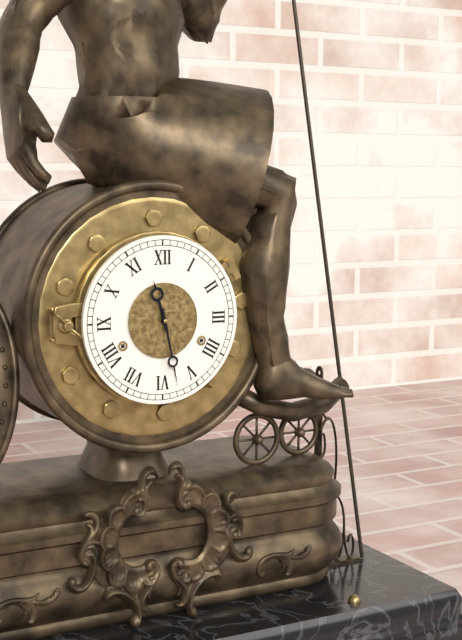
**11:28**
